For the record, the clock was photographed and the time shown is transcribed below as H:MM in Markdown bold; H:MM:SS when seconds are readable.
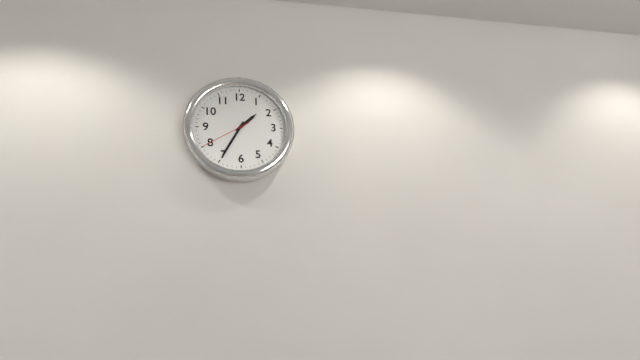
**1:35:40**
